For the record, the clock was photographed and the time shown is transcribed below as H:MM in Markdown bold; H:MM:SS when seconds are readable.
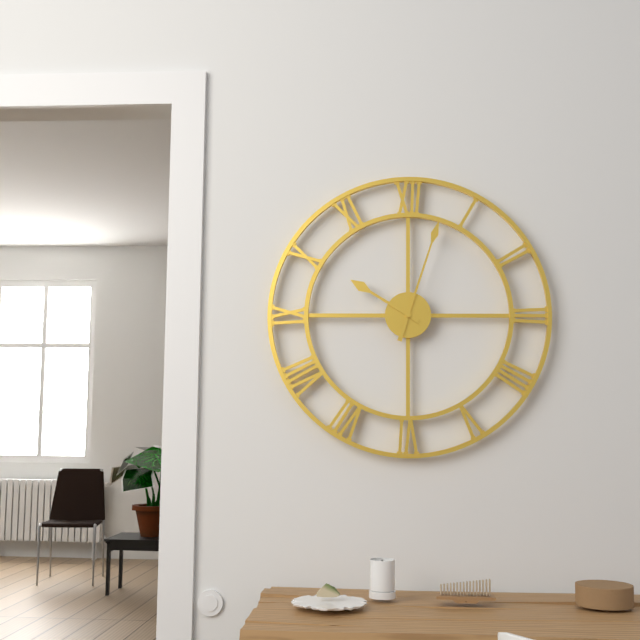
**10:03**
